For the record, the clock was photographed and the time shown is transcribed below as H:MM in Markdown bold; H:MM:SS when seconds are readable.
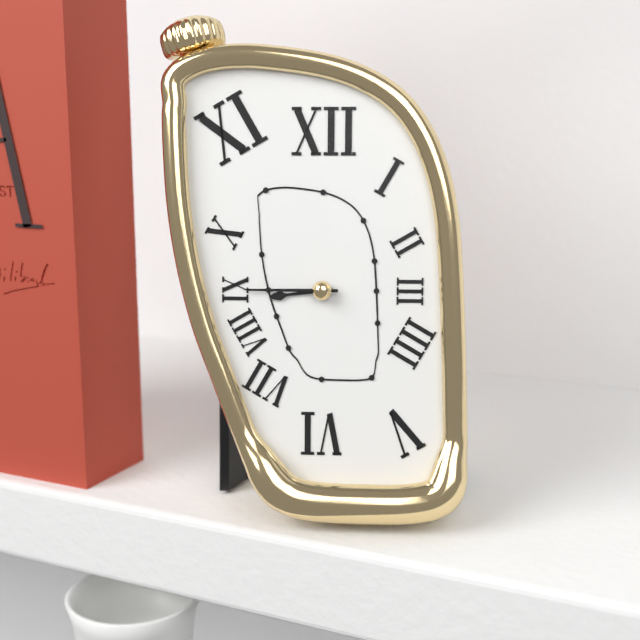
**8:45**
